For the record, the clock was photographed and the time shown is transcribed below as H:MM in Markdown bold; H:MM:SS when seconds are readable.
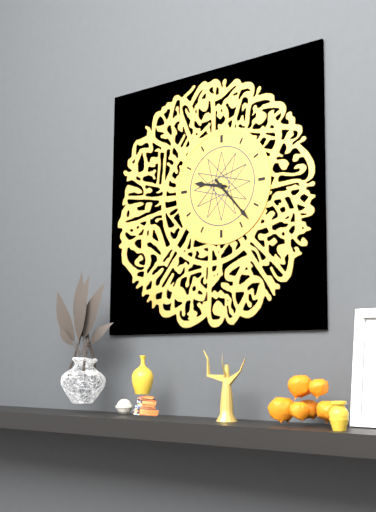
**9:23**
